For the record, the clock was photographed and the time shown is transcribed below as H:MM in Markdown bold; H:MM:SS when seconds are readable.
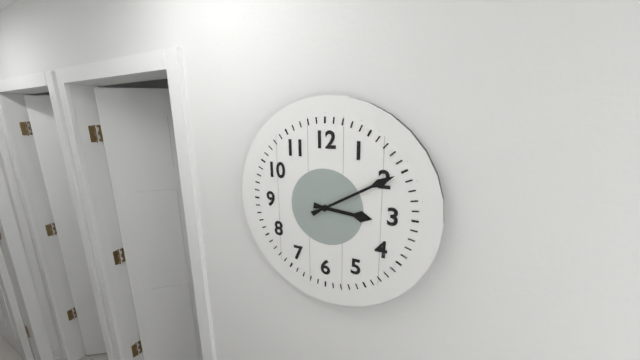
**3:10**
